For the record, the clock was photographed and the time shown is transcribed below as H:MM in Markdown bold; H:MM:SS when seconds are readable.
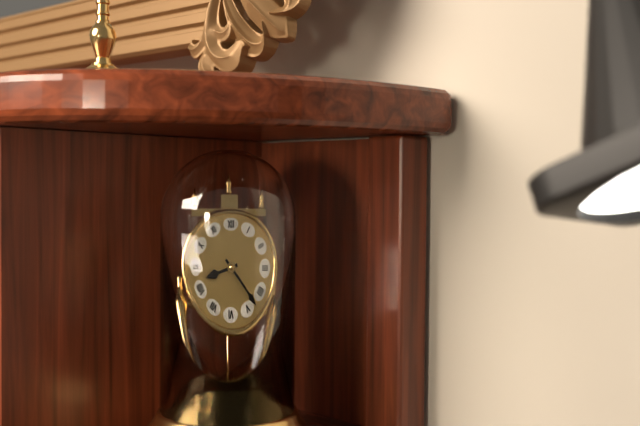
**8:23**
